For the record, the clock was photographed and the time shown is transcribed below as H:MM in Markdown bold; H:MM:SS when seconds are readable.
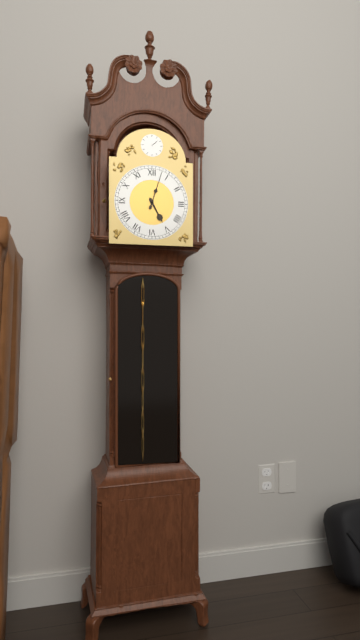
**5:03**
